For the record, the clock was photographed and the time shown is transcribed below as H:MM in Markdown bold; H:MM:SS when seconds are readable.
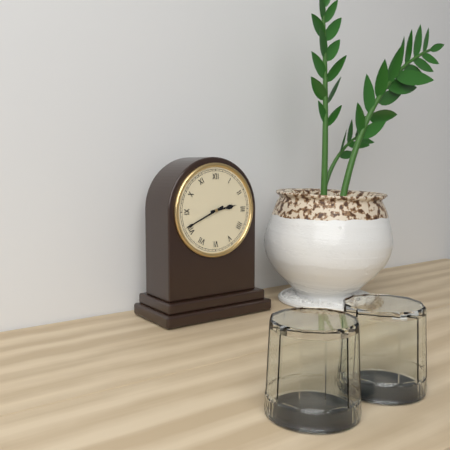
**2:41**
